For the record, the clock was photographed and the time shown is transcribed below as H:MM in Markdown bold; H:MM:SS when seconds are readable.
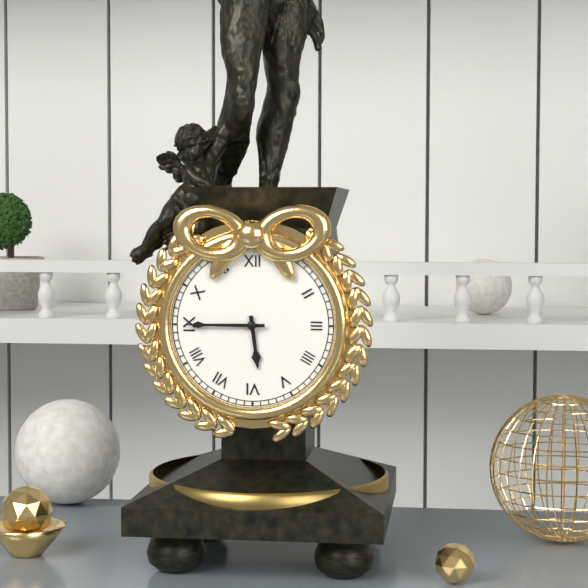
**5:45**
